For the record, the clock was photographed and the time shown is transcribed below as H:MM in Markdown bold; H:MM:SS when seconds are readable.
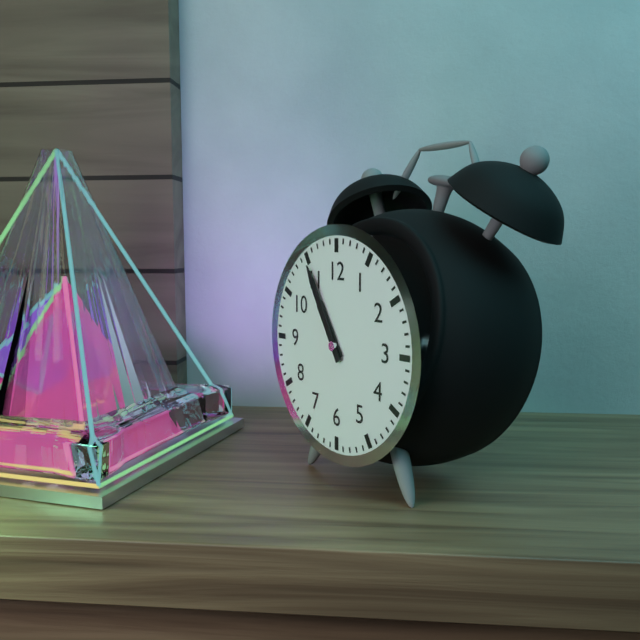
**10:55**
